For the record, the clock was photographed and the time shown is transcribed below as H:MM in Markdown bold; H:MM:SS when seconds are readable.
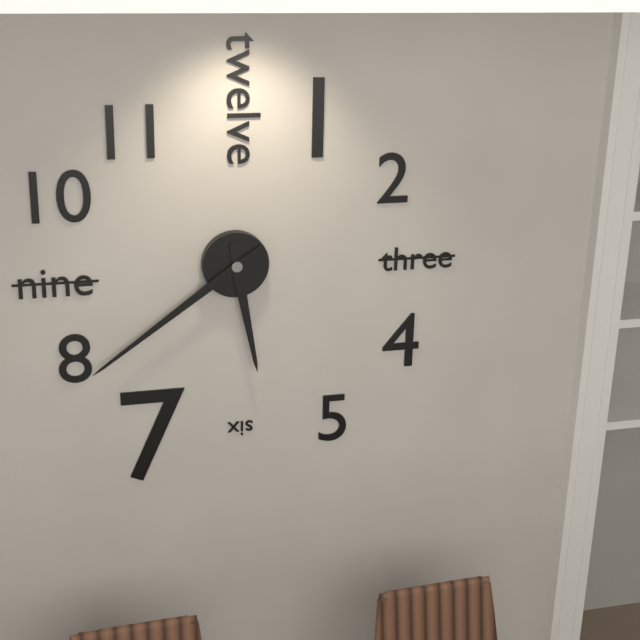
**5:39**
